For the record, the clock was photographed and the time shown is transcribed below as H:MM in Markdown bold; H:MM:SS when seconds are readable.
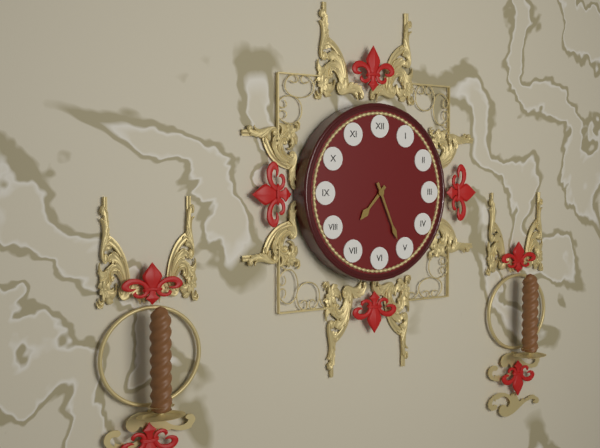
**7:26**
